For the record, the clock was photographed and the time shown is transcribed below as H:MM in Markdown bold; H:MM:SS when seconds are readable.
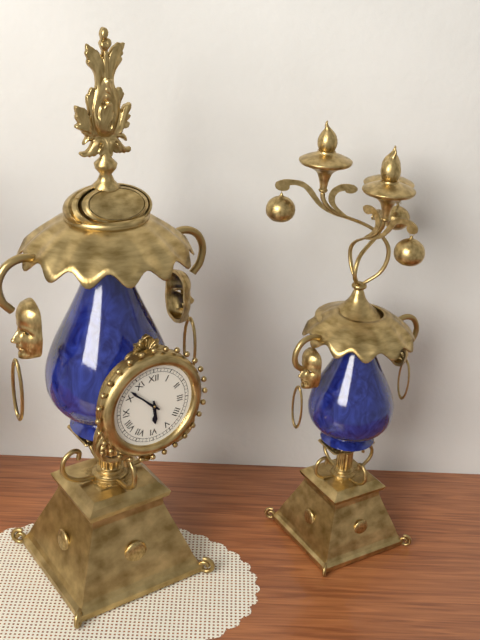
**5:52**
